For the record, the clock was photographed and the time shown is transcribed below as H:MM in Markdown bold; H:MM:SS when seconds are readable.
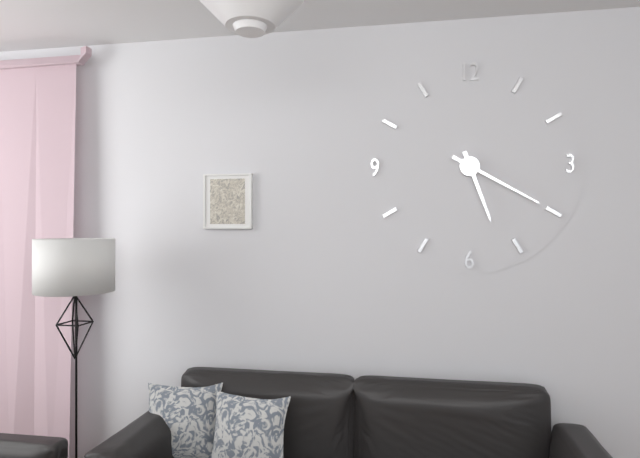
**5:20**
